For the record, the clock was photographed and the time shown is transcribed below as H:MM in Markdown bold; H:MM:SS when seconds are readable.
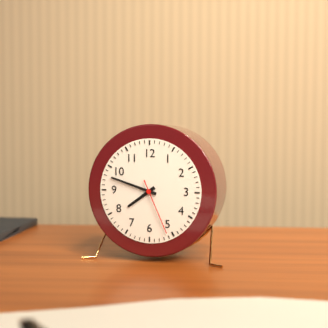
**7:48:26**
